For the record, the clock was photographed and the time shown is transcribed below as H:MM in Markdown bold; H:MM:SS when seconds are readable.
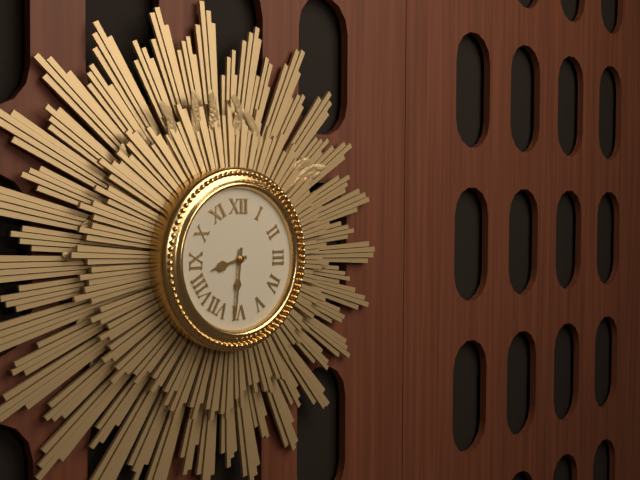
**8:31**
